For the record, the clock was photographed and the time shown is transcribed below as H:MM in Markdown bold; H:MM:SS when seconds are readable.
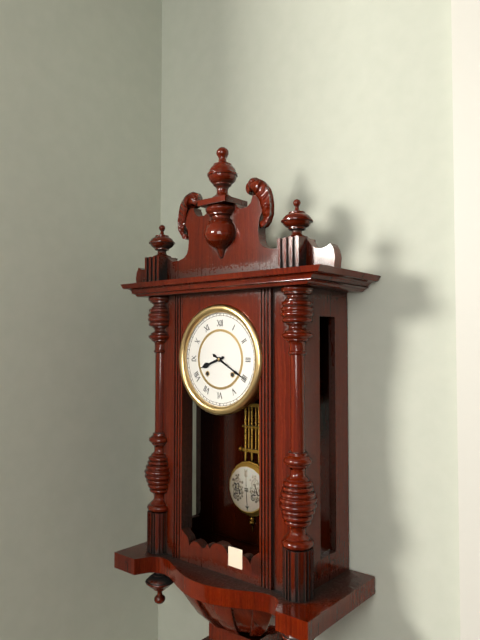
**8:20**
